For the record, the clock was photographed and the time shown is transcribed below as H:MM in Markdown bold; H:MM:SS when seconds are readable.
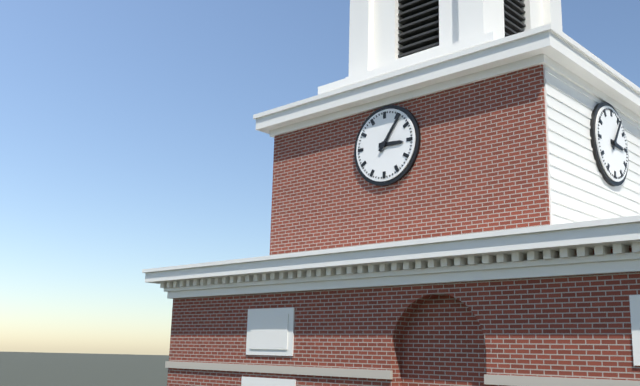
**3:06**
